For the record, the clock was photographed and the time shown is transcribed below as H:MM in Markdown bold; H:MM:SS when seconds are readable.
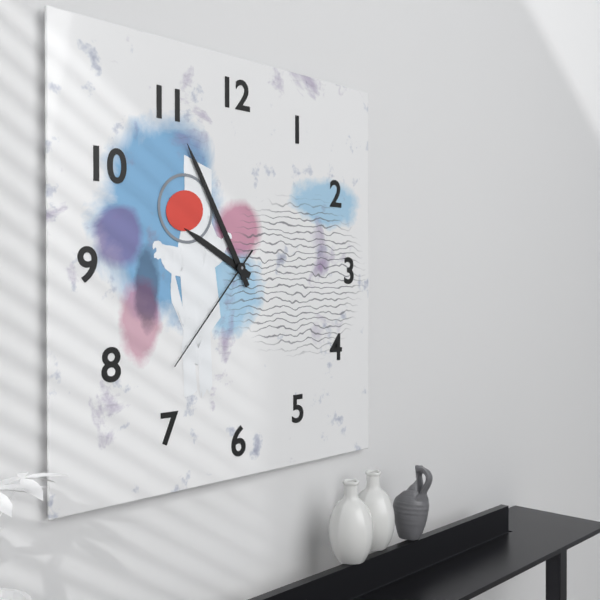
**9:55:37**
